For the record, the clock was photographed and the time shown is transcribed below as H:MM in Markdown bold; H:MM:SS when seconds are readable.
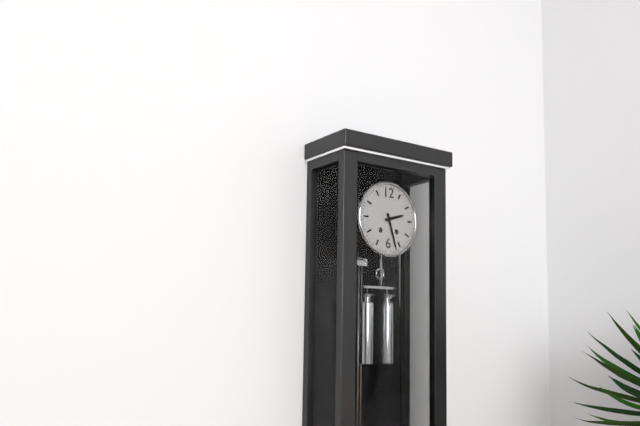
**2:27**
